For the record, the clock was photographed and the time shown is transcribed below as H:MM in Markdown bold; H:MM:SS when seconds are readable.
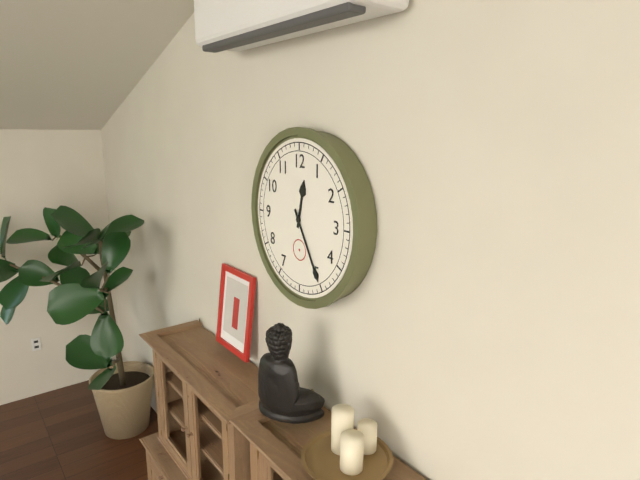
**12:25**
